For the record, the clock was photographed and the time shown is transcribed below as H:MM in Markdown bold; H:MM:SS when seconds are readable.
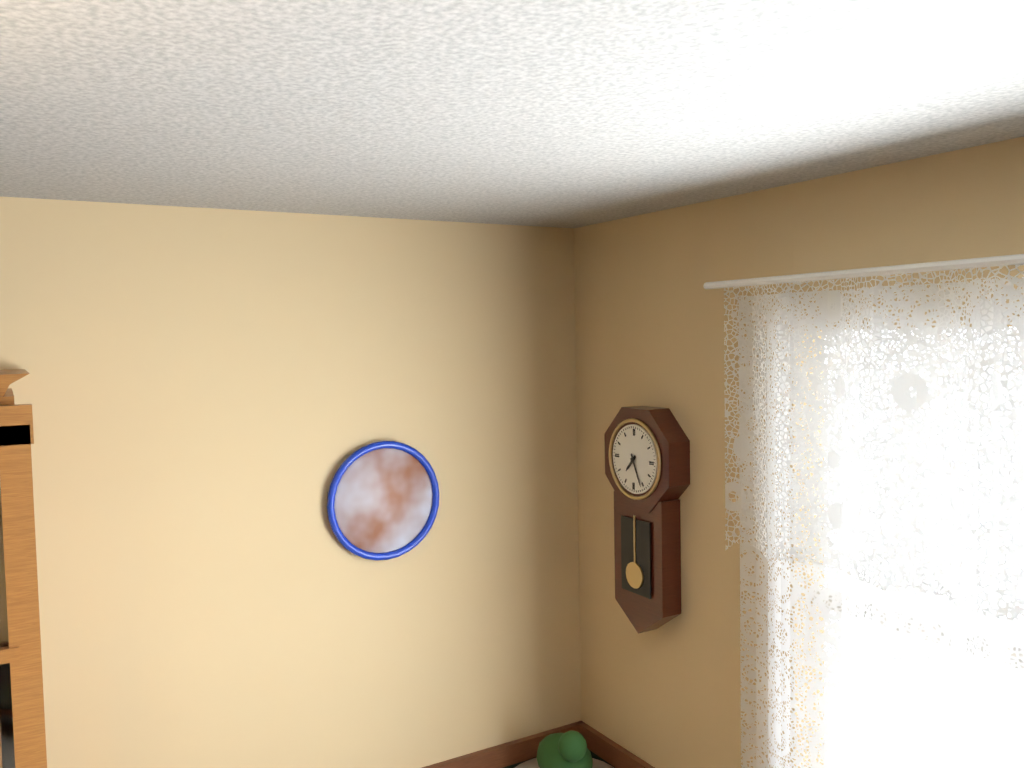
**7:26**
